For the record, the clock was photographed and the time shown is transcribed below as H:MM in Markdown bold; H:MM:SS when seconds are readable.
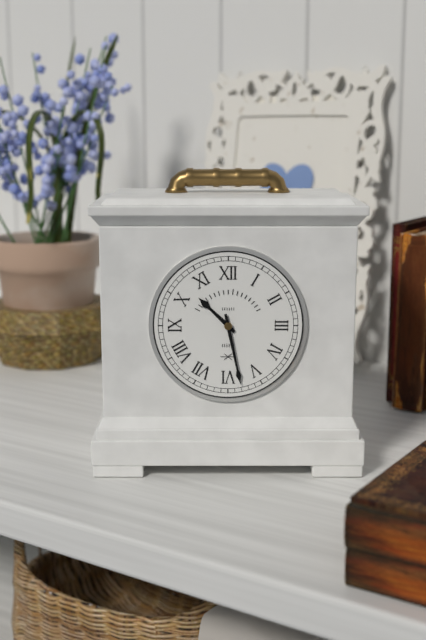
**10:28**
